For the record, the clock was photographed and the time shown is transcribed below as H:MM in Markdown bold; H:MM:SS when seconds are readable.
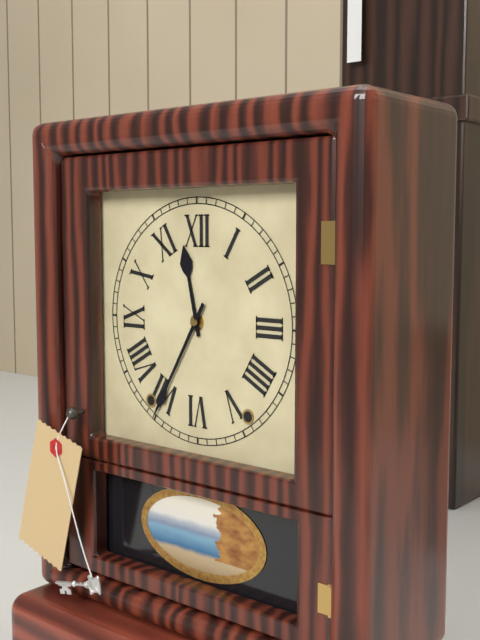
**11:35**
